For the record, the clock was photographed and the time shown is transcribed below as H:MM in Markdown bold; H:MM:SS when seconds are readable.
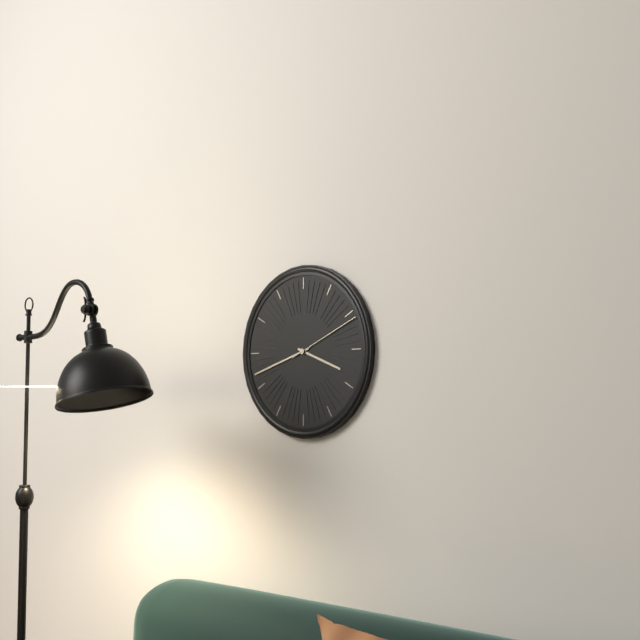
**3:42:11**
